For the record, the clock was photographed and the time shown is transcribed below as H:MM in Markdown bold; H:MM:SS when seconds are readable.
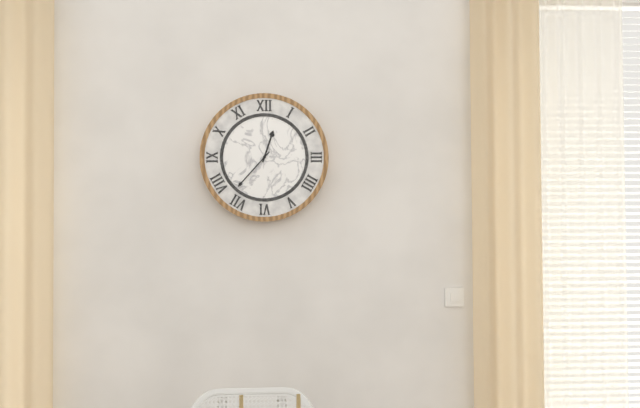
**12:37**
